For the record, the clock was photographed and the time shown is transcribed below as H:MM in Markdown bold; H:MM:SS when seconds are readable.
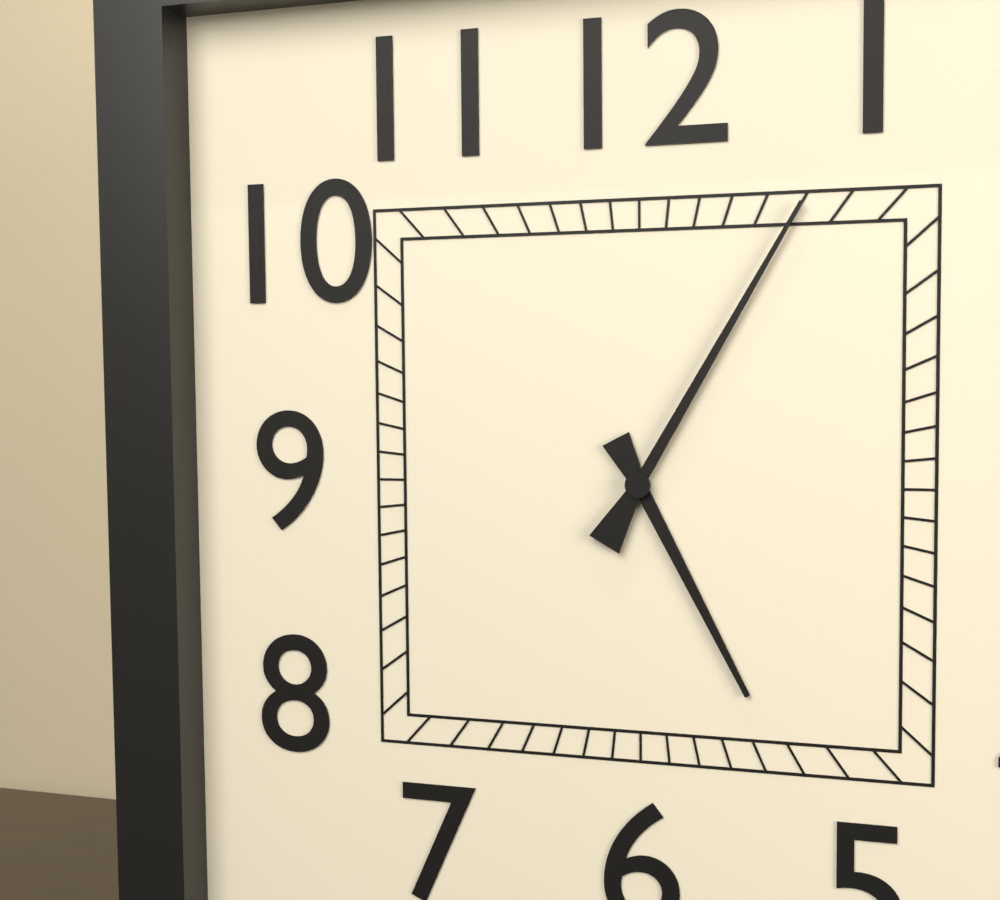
**5:05**
